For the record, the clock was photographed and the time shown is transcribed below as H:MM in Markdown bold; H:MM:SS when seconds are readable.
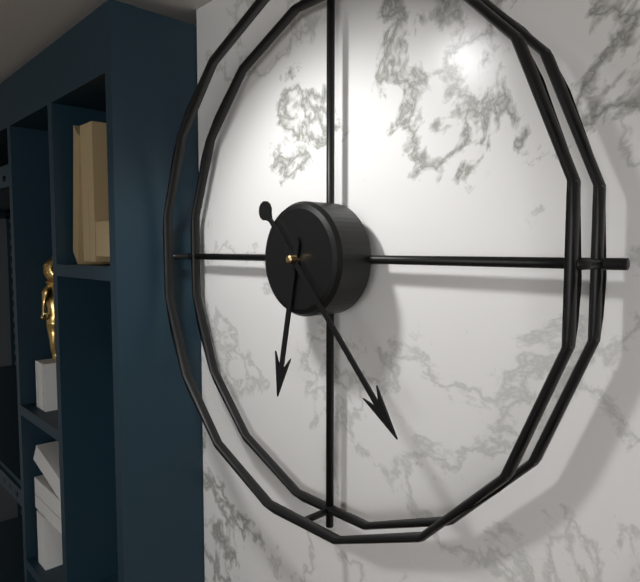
**6:23**
